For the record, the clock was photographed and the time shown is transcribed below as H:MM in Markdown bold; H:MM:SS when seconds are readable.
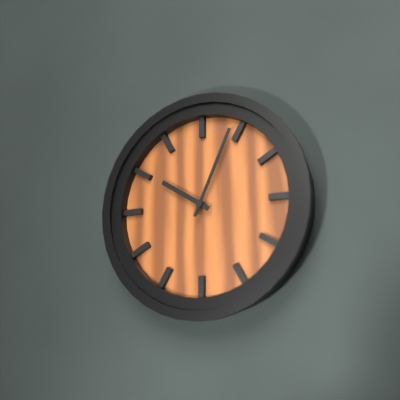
**10:04**
